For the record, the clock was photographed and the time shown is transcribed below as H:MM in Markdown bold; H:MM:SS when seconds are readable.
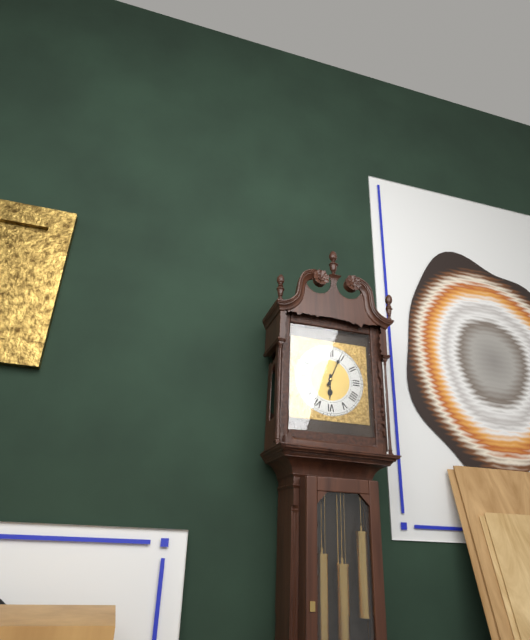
**6:04**
